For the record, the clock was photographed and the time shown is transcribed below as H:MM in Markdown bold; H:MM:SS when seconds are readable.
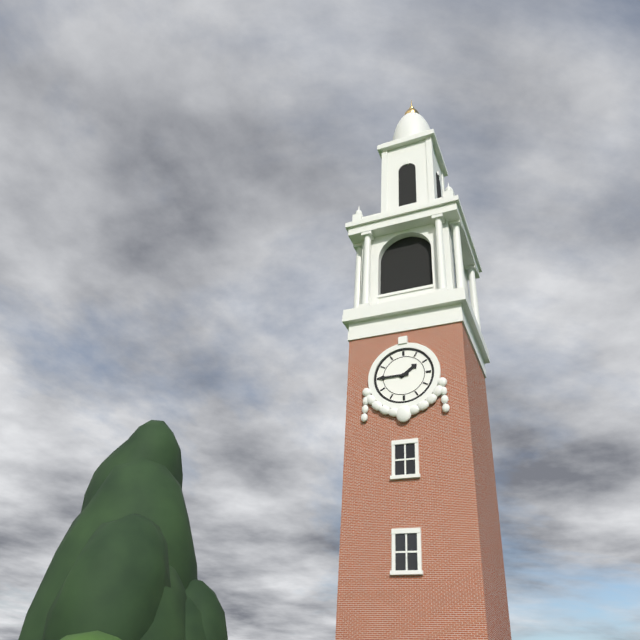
**1:45**
